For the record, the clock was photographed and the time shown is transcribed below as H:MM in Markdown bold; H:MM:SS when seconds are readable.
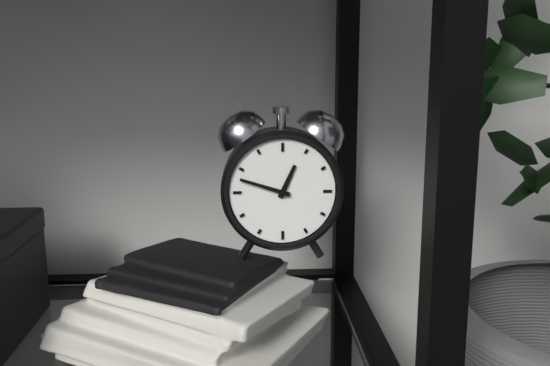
**12:48**
